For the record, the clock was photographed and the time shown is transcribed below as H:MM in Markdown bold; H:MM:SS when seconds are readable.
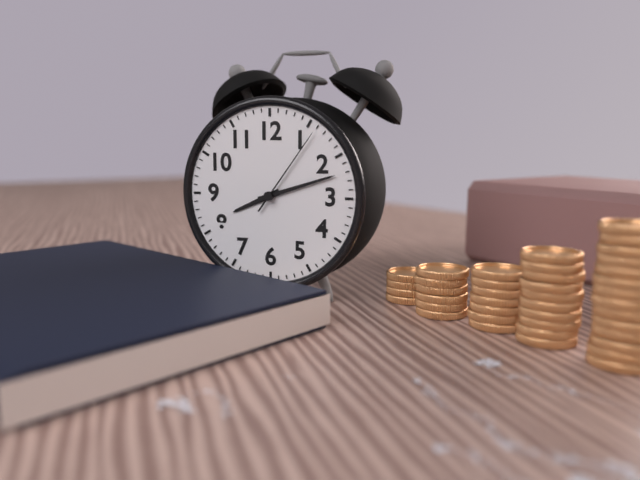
**8:12:06**
